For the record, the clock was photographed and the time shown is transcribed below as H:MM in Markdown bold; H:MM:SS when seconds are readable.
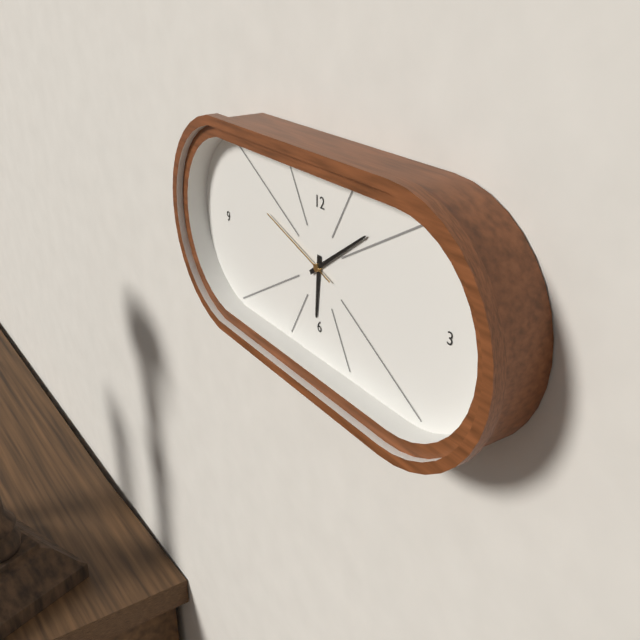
**6:09:48**
